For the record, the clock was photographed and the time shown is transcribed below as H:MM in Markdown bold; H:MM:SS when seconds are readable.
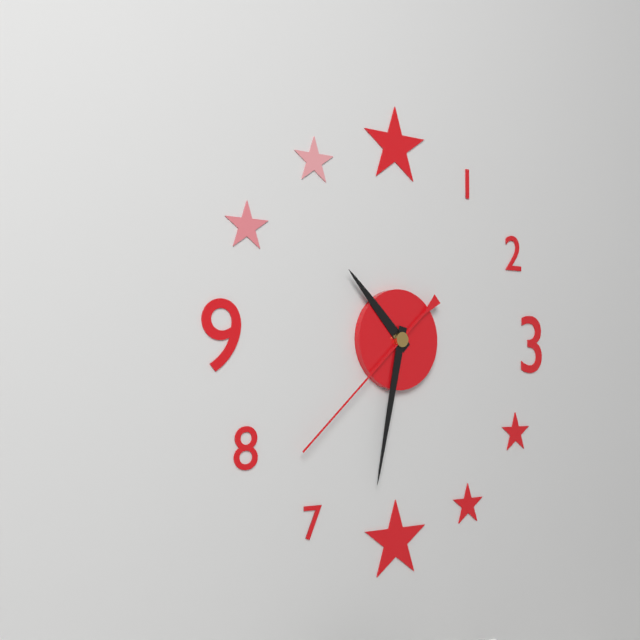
**10:32:38**
